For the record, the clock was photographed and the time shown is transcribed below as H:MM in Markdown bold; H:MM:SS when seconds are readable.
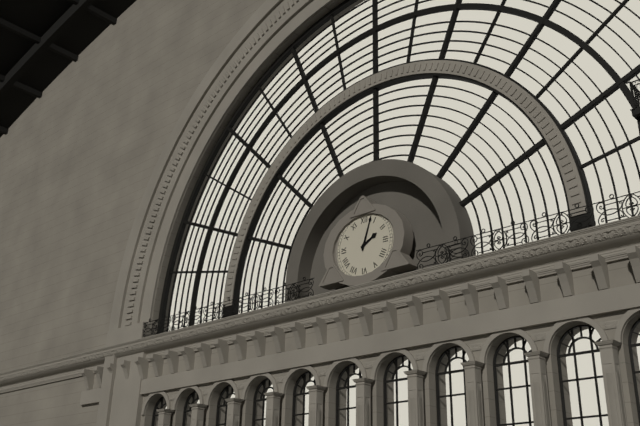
**2:03**
